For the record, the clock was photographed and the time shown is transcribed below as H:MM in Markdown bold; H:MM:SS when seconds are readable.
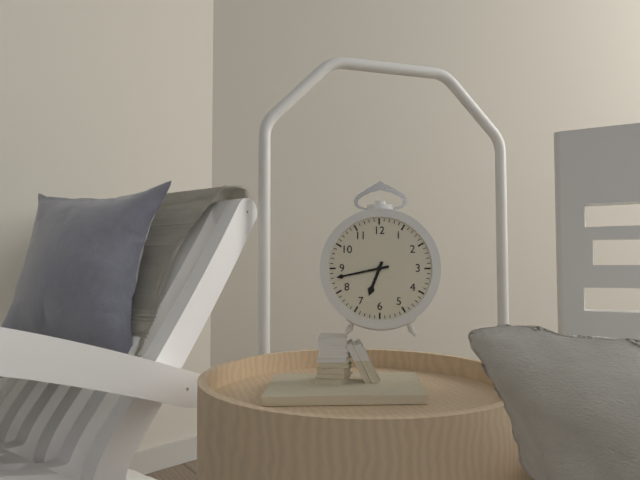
**6:43**
